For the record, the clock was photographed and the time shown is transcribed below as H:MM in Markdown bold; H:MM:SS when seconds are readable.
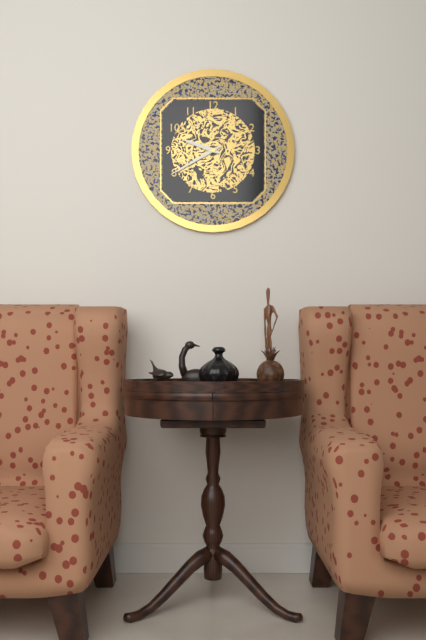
**9:40**
